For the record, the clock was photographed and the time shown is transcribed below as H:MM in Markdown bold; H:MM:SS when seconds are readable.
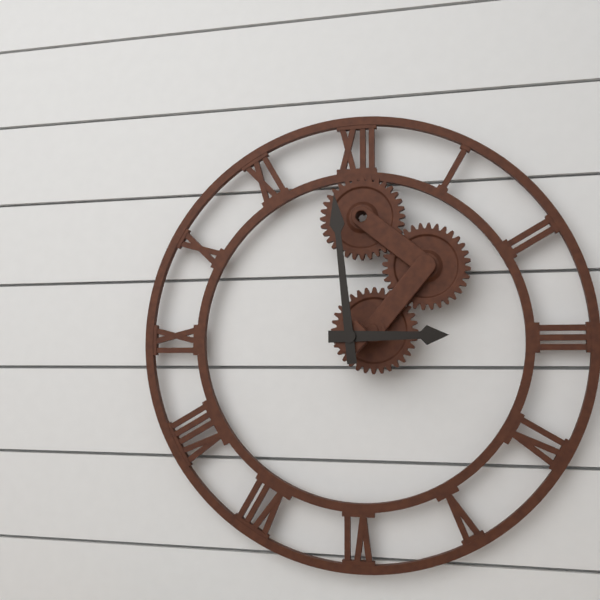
**2:59**
